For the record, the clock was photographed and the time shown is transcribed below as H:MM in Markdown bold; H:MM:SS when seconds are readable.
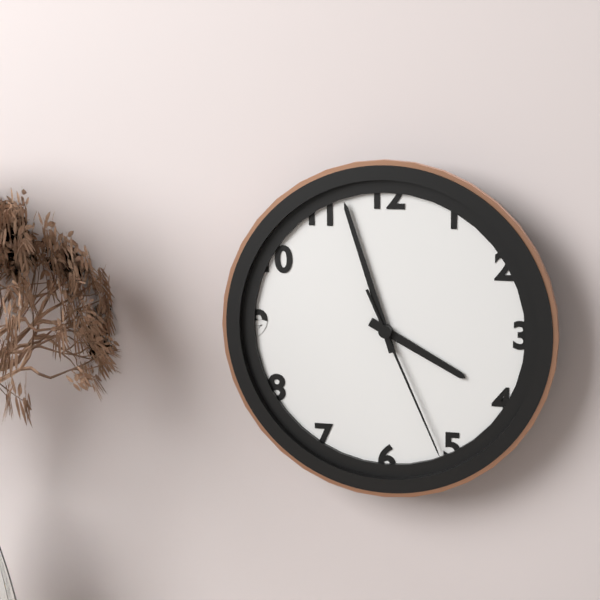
**3:57:26**
